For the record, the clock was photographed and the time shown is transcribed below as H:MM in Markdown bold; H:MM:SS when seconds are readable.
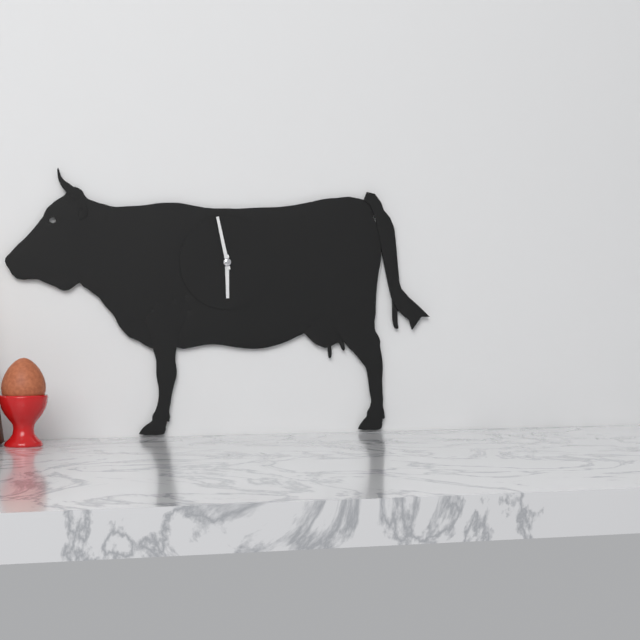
**5:58**
